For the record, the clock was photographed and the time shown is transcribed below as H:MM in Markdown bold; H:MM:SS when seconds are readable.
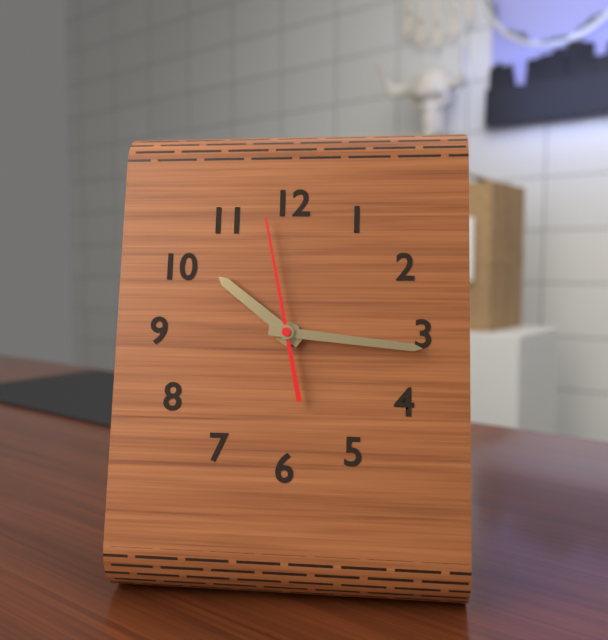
**10:16:58**
